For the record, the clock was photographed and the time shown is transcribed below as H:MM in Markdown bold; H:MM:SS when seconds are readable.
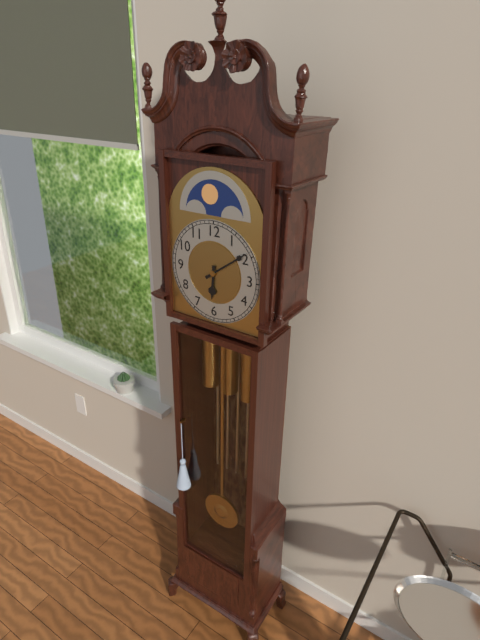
**6:09**
